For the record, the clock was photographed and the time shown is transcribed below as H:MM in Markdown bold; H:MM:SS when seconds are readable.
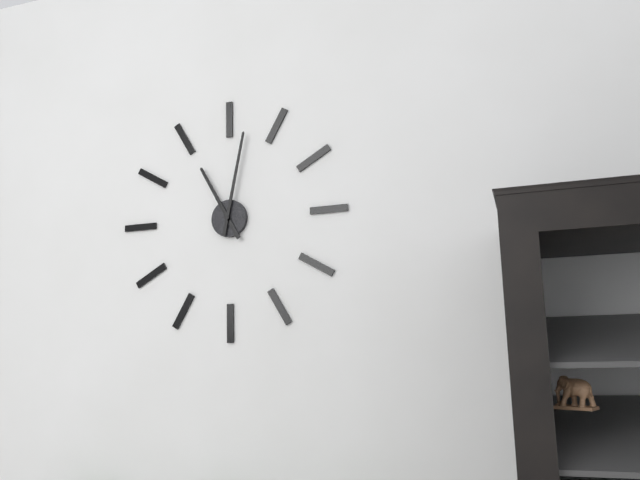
**11:02**
